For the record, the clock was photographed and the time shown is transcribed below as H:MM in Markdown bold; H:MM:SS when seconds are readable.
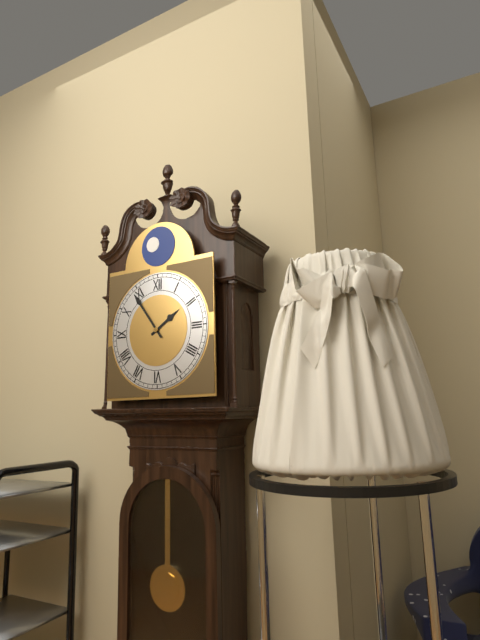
**1:54**
